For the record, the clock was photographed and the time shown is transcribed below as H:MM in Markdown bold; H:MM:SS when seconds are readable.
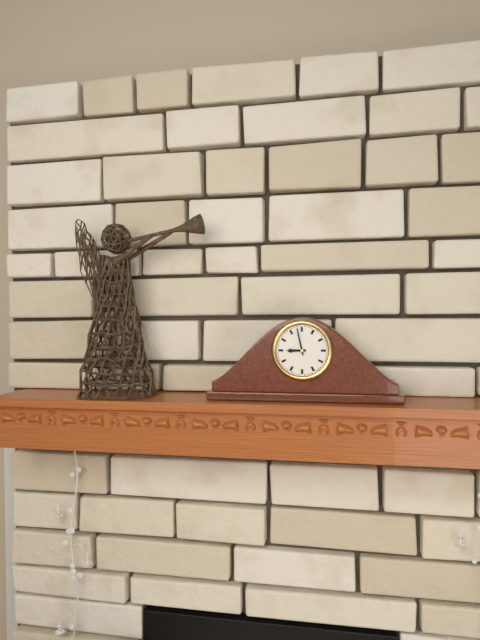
**8:58**
